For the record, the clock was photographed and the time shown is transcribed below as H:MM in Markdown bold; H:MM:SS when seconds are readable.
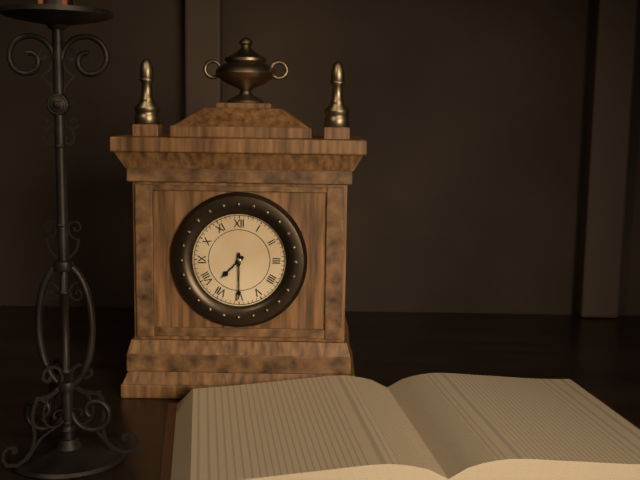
**7:30**
